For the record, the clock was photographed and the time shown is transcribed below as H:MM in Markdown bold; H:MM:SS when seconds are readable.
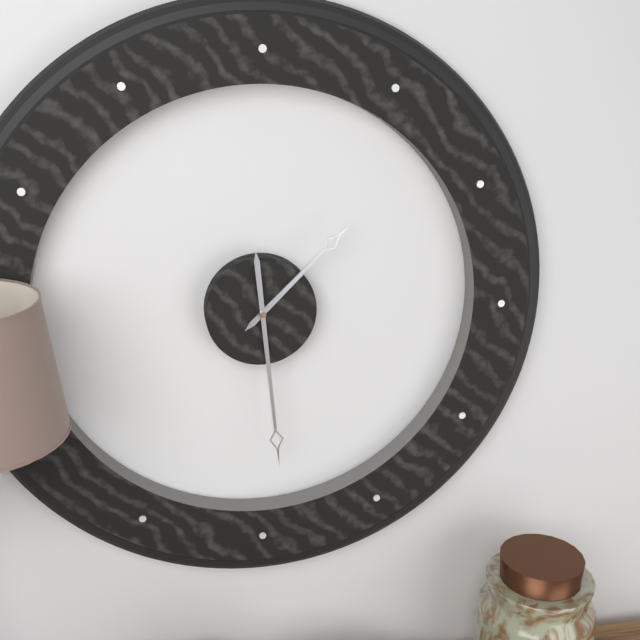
**1:29**
